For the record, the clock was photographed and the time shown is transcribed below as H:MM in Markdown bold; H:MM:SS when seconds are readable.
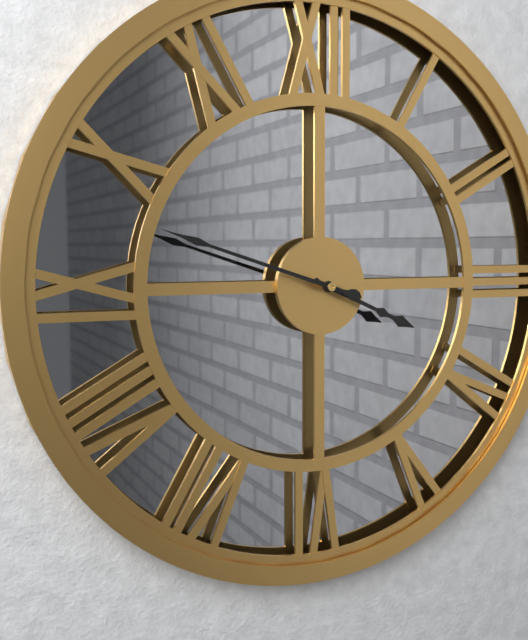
**3:48**
